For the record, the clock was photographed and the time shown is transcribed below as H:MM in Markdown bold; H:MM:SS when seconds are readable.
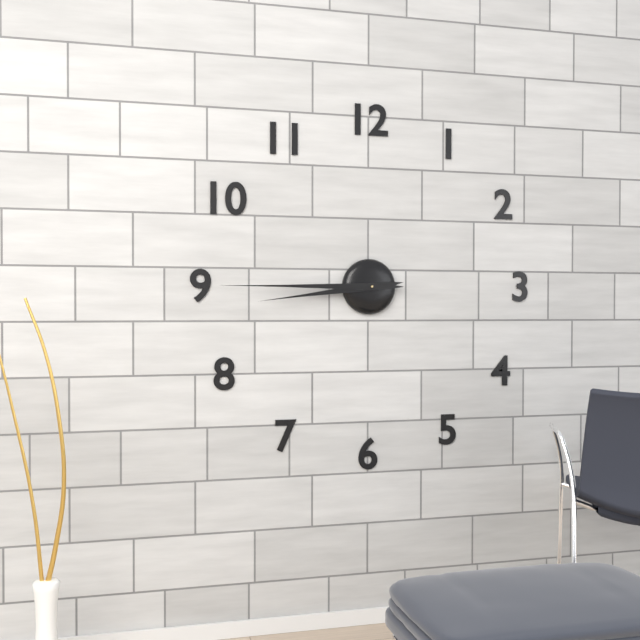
**8:45**
